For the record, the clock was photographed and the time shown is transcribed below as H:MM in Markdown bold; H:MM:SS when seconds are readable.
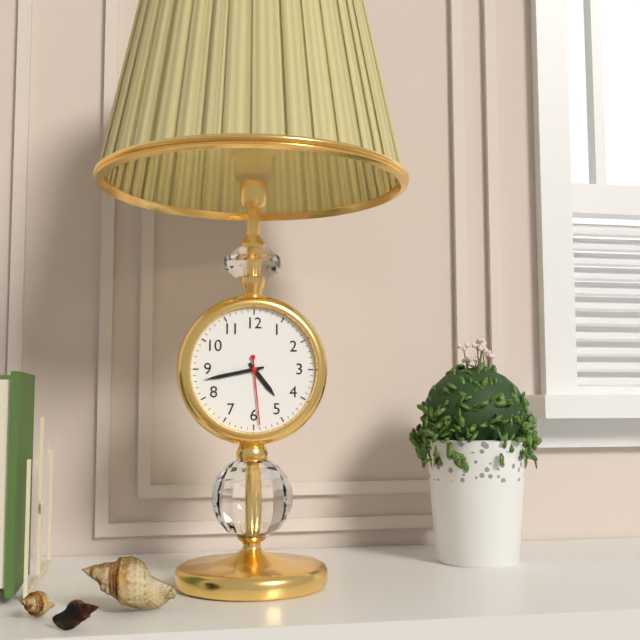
**4:43:29**
